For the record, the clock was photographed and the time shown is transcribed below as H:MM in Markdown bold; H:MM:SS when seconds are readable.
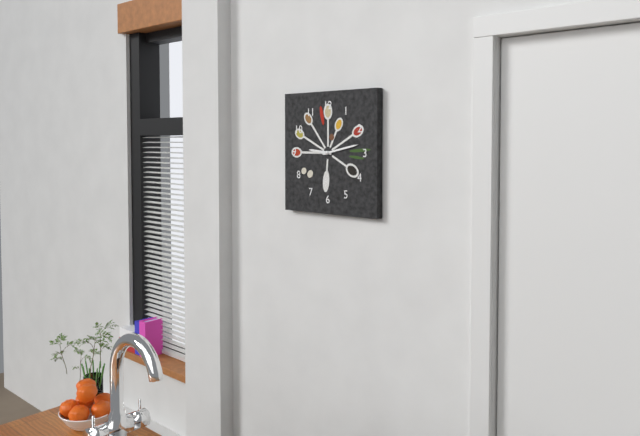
**9:13**
